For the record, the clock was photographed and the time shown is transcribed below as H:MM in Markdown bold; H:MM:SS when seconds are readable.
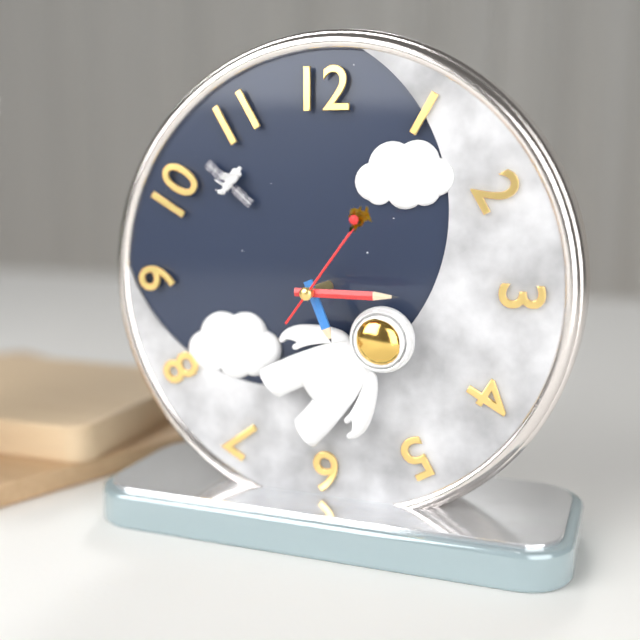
**5:15:06**
